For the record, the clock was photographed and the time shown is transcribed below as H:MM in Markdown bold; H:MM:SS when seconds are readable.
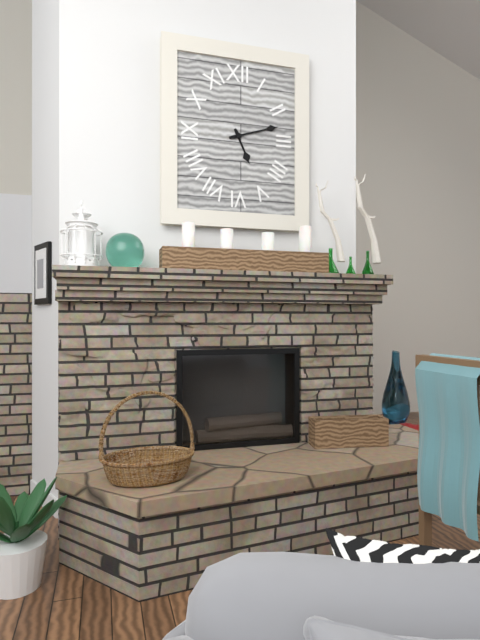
**5:12**
